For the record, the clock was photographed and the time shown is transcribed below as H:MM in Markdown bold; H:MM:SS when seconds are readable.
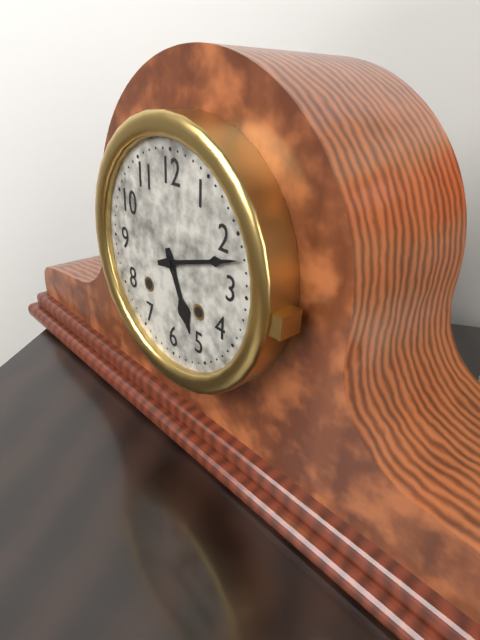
**5:12**
